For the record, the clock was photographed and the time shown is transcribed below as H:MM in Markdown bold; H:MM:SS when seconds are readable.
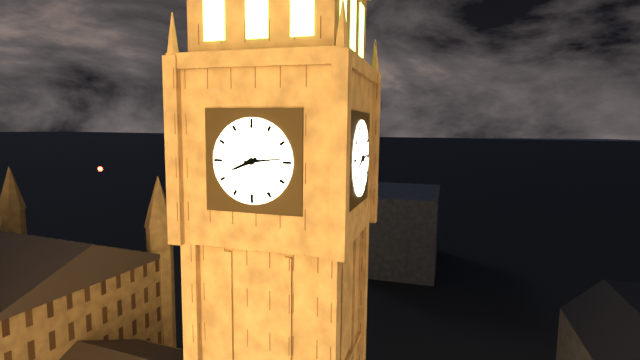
**8:14**
